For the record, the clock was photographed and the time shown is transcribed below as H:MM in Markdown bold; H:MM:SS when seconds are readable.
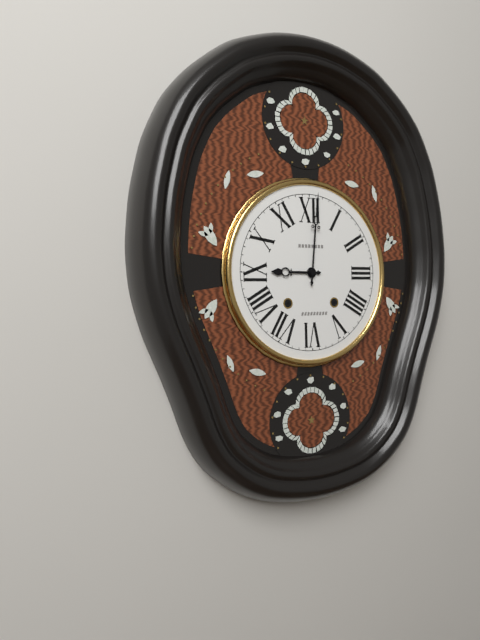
**9:01**
